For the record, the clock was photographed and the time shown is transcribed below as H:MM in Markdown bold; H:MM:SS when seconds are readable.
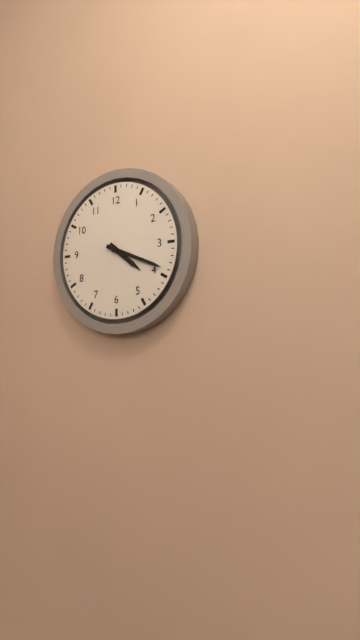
**4:19**
